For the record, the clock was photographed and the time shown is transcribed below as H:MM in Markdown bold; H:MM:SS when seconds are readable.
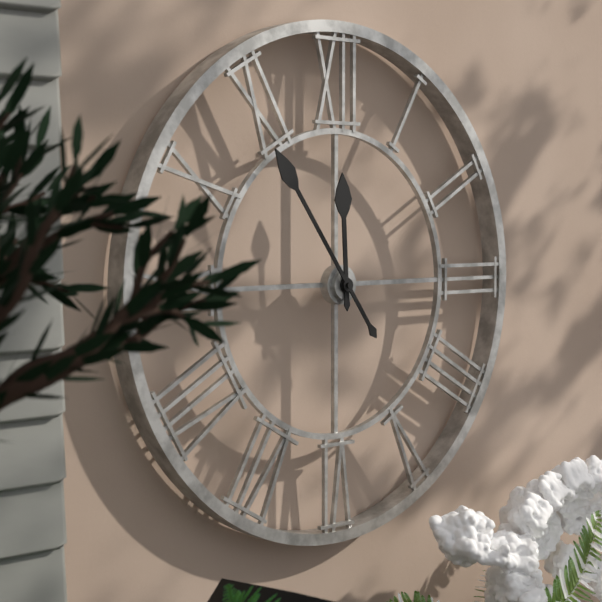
**11:54**
